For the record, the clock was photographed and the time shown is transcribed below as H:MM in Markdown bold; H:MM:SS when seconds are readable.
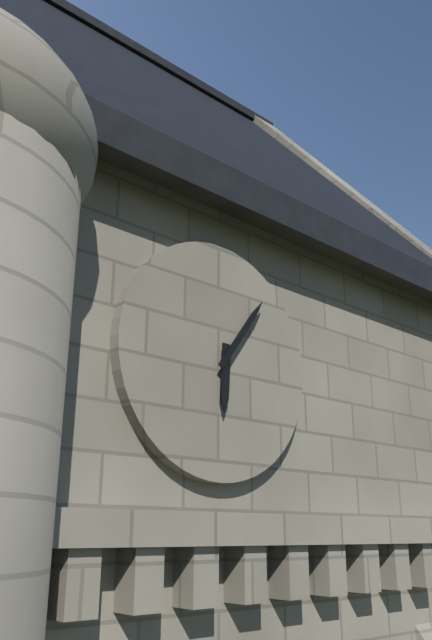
**6:06**
